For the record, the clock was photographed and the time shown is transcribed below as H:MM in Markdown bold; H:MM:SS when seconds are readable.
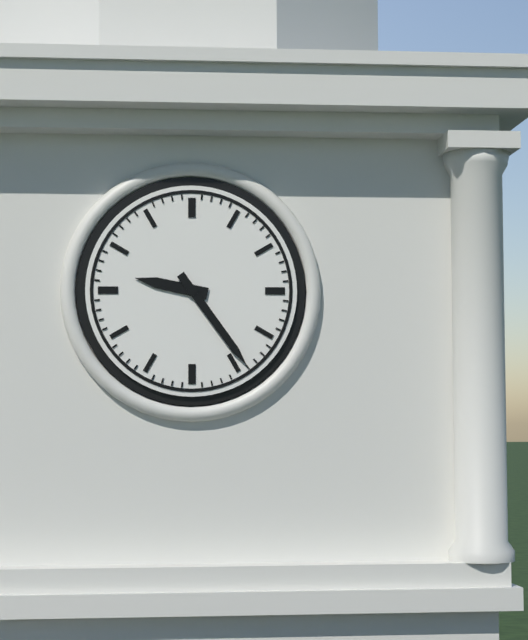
**9:24**
